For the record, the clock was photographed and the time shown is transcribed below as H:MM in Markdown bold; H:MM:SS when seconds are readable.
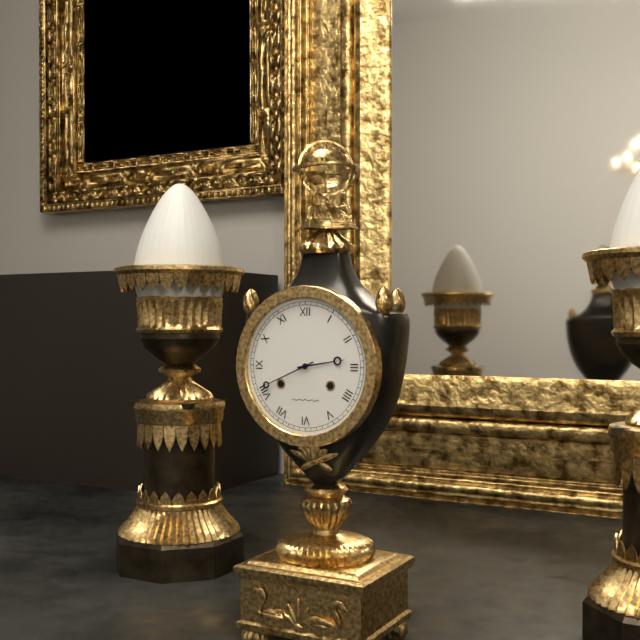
**2:41**
